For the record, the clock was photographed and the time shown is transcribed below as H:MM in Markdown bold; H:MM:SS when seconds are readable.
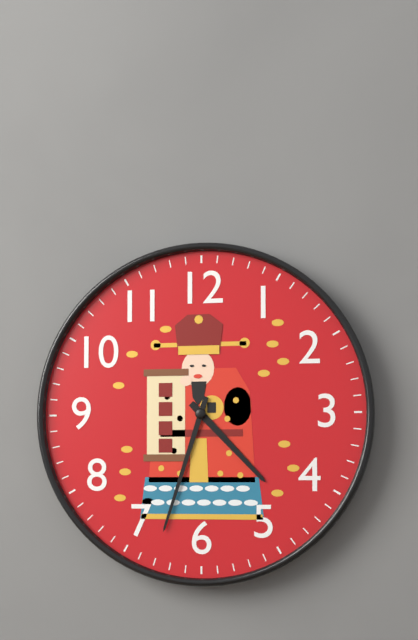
**4:33**
